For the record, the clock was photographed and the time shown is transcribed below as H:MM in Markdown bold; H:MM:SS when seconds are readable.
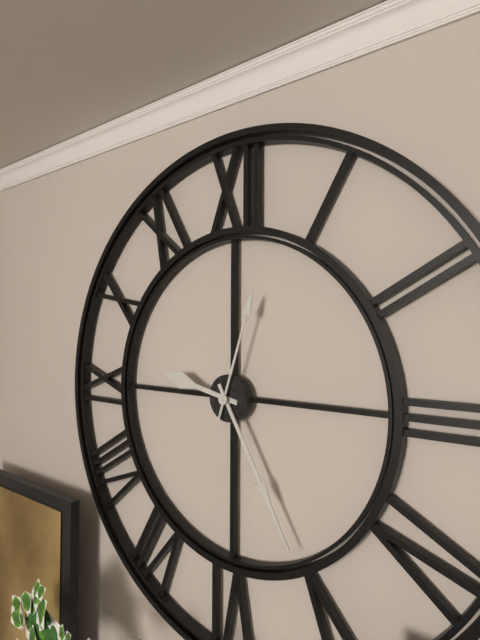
**9:25:03**
